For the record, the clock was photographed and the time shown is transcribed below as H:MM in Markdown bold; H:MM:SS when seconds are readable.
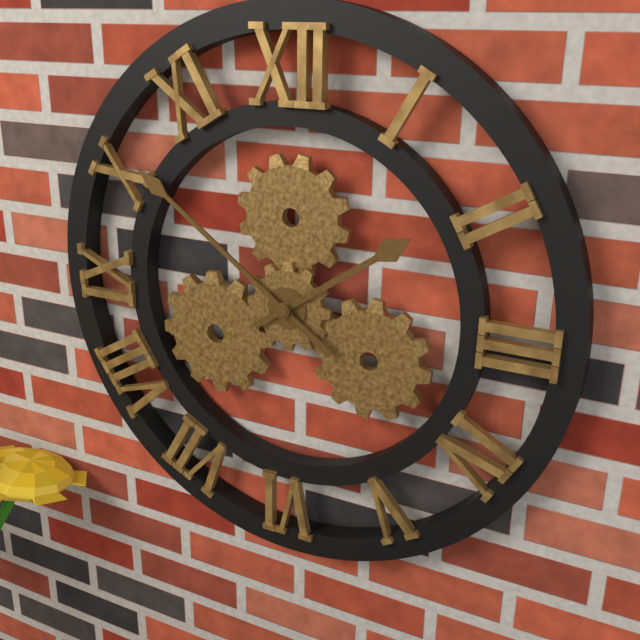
**1:51**
